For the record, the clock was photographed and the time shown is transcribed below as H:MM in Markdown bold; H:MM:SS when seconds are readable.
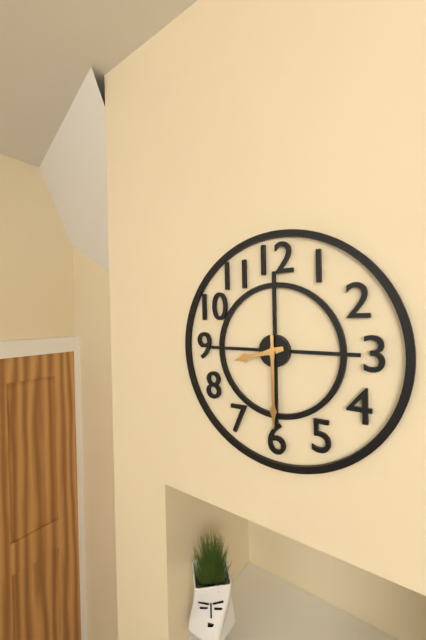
**8:30**
